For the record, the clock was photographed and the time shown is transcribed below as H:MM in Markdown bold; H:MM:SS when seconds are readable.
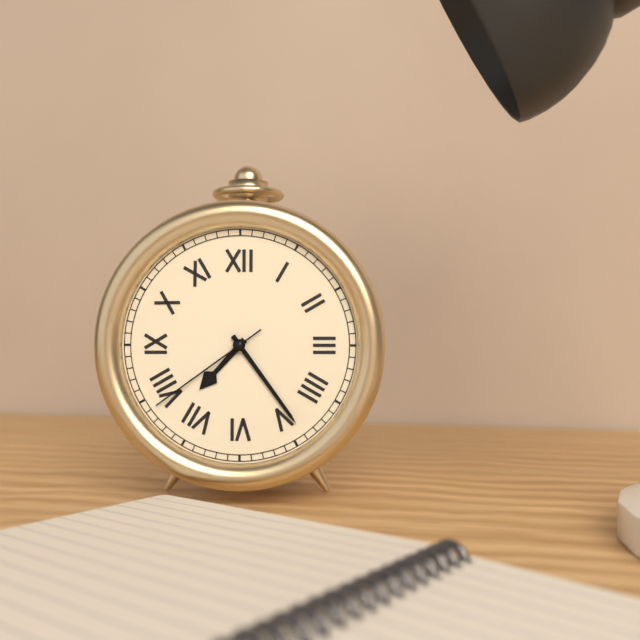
**7:24:39**
